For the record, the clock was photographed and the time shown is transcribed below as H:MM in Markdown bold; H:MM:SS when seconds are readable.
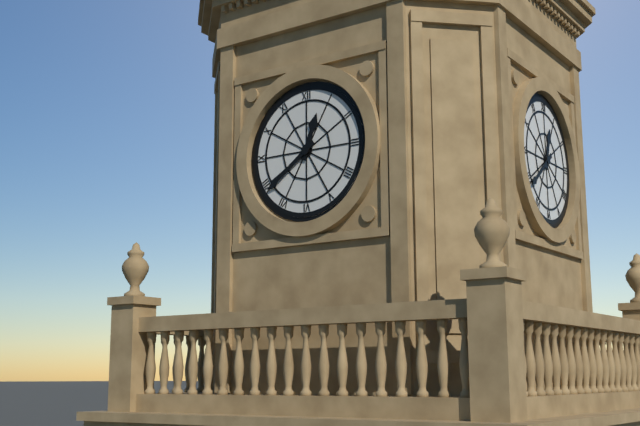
**12:39**
